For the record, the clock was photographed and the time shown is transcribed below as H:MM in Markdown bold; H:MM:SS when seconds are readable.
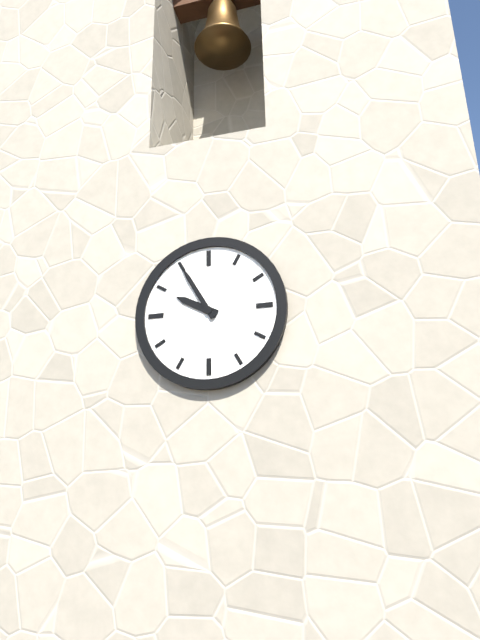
**9:55**
